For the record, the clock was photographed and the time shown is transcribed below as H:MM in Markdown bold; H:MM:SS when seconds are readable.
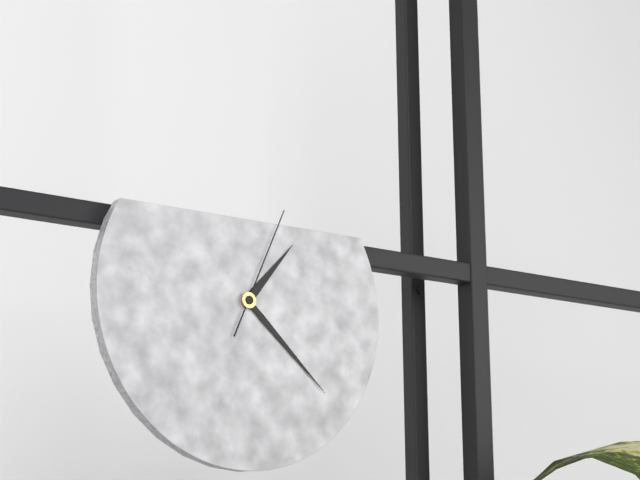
**1:22:04**
